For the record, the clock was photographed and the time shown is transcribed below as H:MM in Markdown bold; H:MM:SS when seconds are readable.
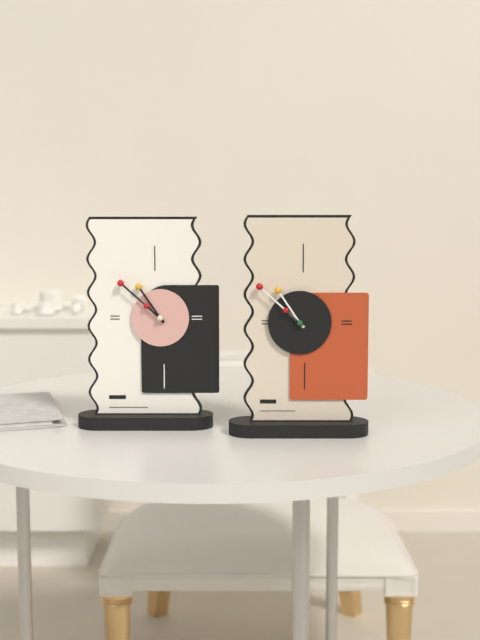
**10:52**
